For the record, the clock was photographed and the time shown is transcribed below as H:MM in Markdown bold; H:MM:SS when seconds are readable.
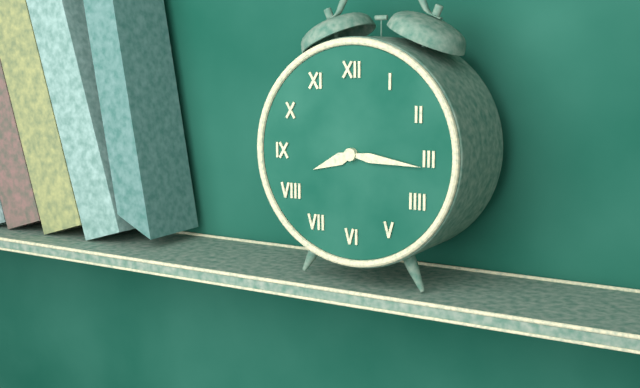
**8:16**
